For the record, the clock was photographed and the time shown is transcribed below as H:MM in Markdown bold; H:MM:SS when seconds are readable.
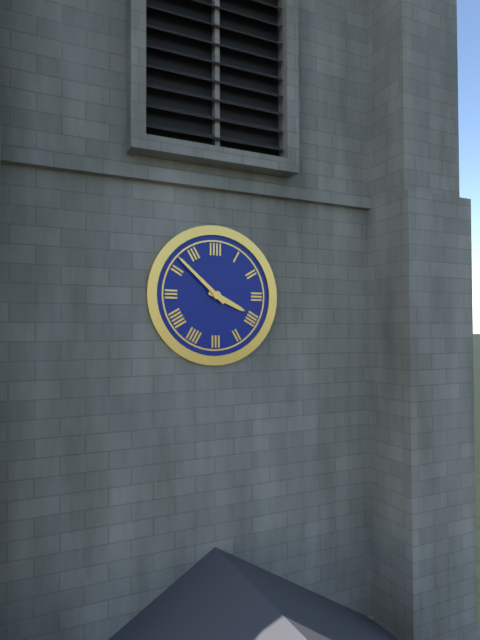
**3:52**
